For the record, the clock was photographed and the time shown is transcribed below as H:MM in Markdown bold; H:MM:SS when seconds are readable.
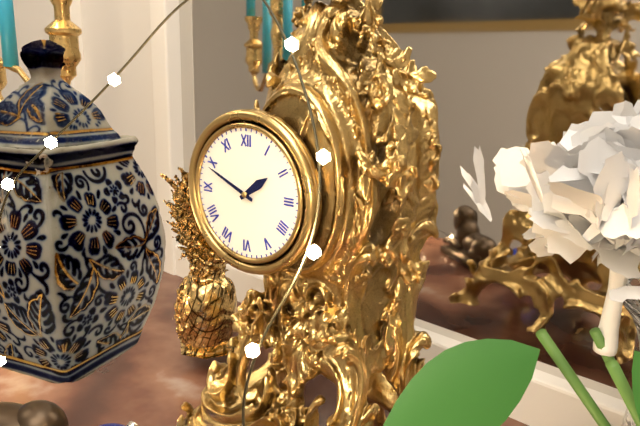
**1:49**
